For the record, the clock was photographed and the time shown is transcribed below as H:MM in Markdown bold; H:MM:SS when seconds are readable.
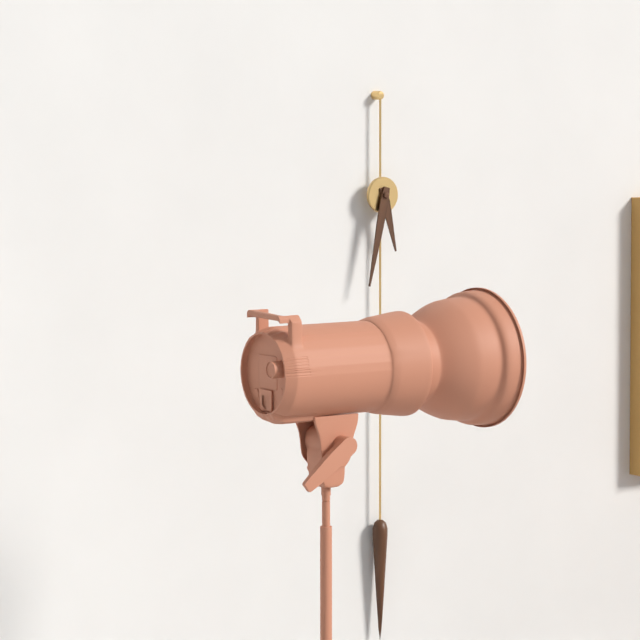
**5:32**
